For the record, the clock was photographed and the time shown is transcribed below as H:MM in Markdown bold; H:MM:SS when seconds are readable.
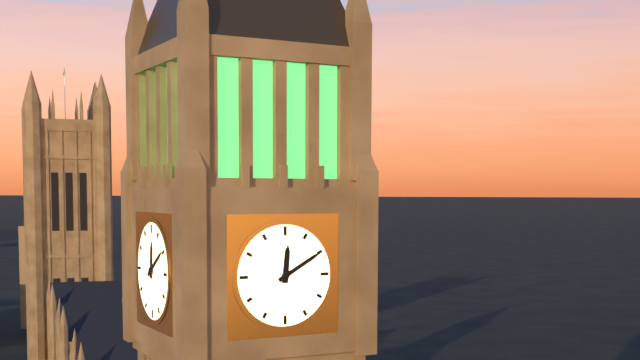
**12:10**
